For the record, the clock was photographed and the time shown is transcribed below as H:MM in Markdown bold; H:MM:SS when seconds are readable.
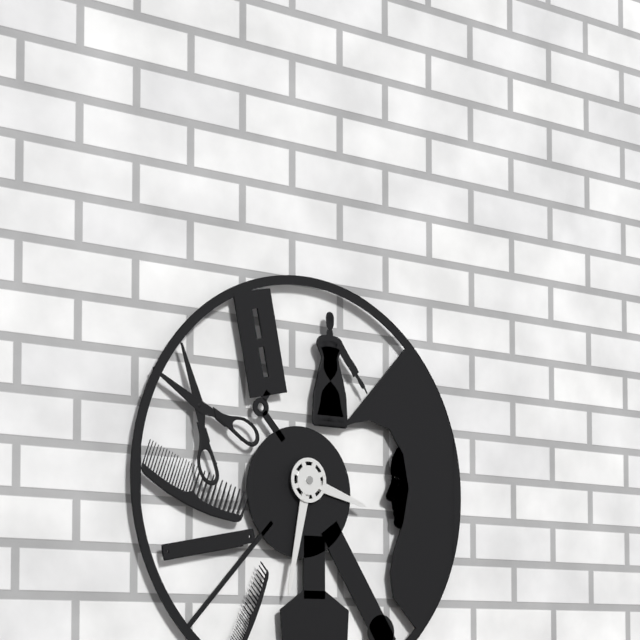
**3:32**
